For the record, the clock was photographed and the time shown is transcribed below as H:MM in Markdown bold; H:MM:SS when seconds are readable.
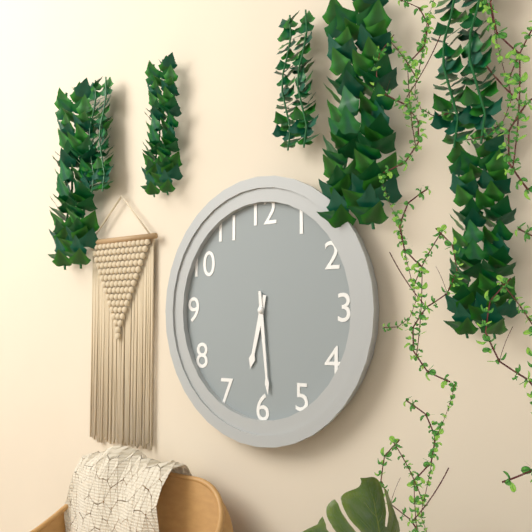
**6:29**
